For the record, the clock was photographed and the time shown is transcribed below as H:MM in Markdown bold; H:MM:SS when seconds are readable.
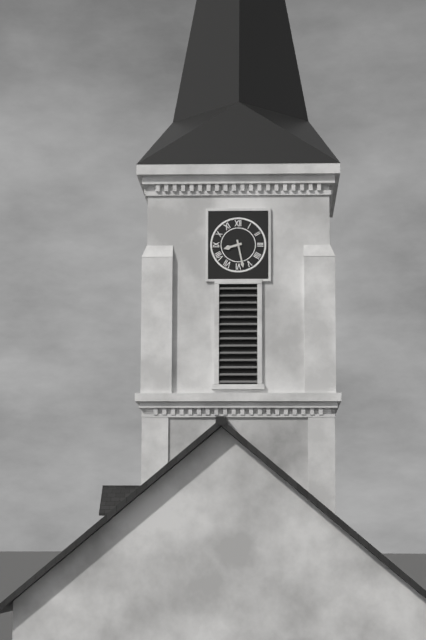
**8:28**
